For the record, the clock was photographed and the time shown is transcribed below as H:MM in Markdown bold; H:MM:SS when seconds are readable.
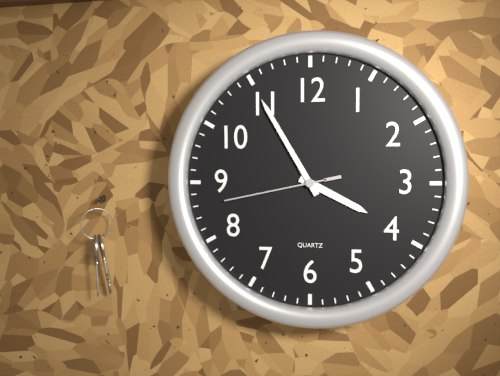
**3:55:43**
